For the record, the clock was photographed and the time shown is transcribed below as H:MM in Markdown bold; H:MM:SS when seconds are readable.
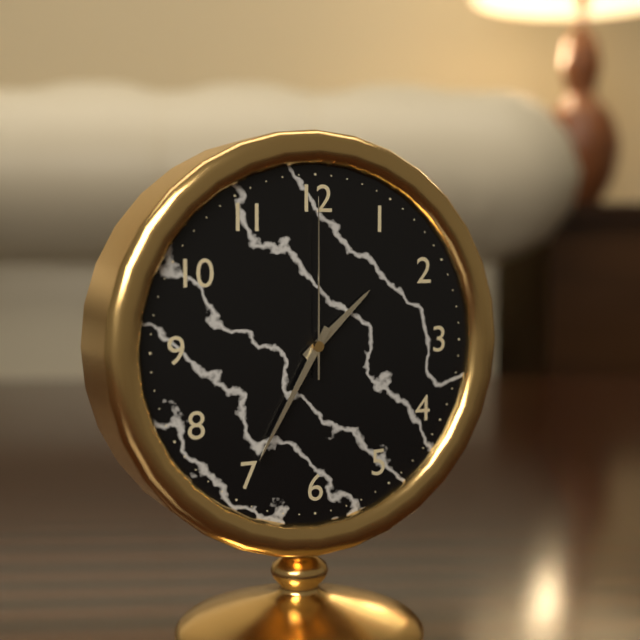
**1:35:00**
